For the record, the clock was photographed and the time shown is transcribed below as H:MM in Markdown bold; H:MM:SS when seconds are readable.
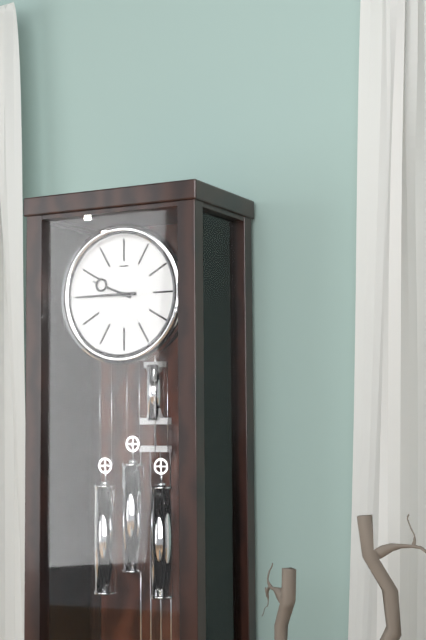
**9:45**
